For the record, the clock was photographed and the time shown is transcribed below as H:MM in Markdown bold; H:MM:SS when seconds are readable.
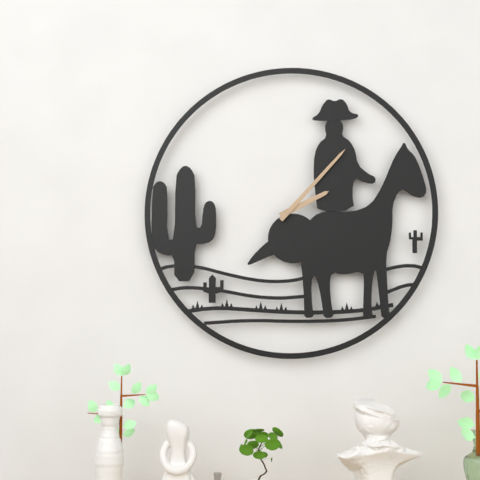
**2:07**
